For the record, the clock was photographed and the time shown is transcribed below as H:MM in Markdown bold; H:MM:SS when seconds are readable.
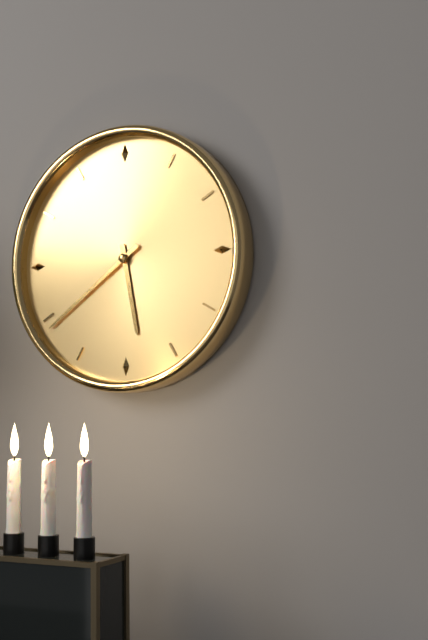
**5:39**
